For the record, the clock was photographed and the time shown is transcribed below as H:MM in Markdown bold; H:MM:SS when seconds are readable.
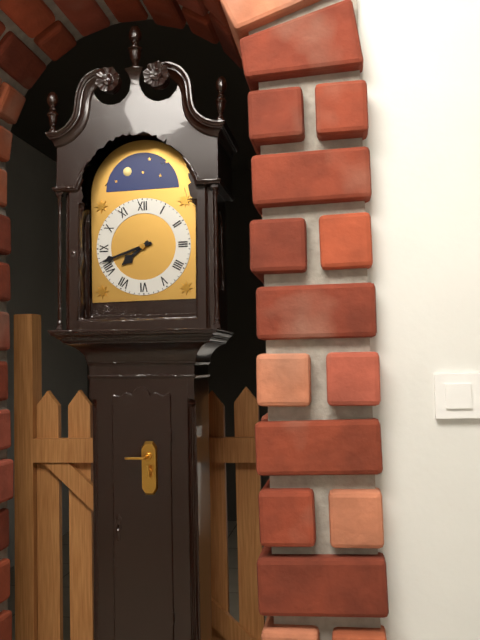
**7:42**
